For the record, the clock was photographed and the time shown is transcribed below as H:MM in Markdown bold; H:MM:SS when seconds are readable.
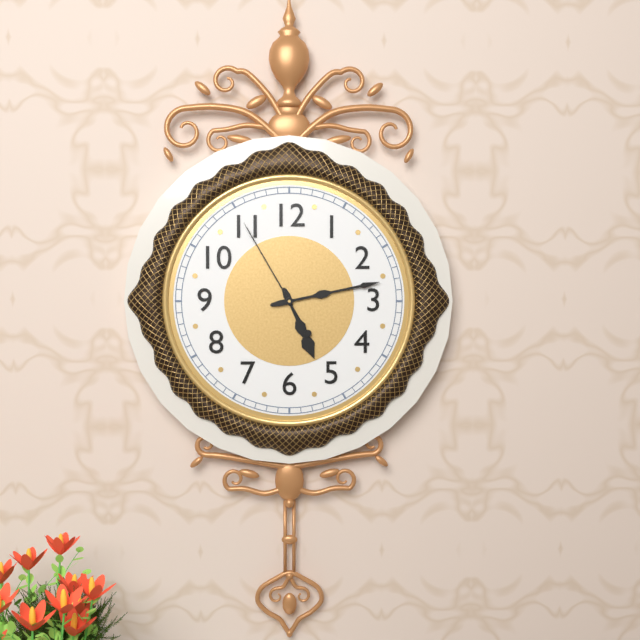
**5:13:55**
